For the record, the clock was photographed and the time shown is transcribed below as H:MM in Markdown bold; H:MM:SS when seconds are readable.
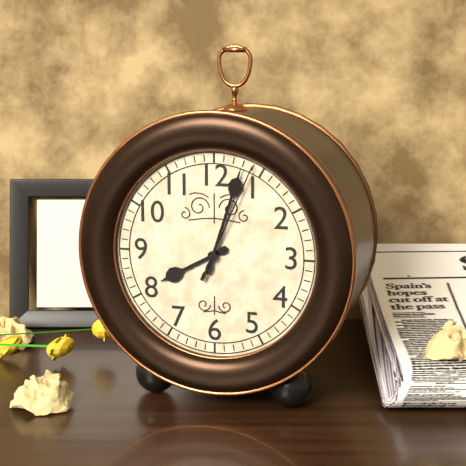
**8:03:04**
